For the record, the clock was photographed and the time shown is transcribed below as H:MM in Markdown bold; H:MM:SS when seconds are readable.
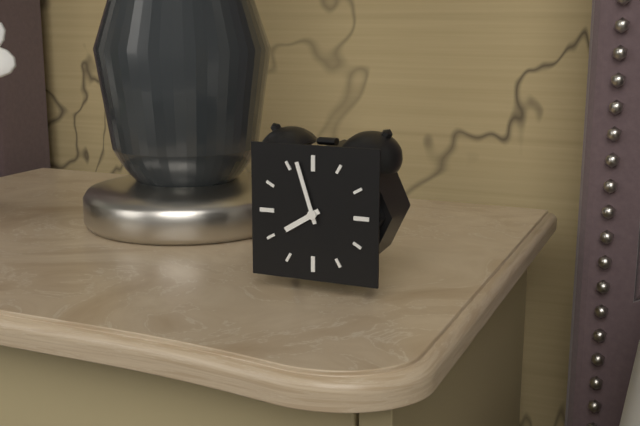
**7:57**
